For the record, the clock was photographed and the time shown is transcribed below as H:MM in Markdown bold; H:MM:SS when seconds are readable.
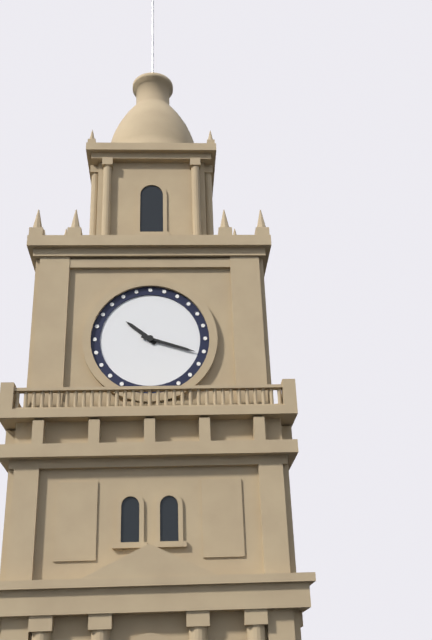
**10:18**
